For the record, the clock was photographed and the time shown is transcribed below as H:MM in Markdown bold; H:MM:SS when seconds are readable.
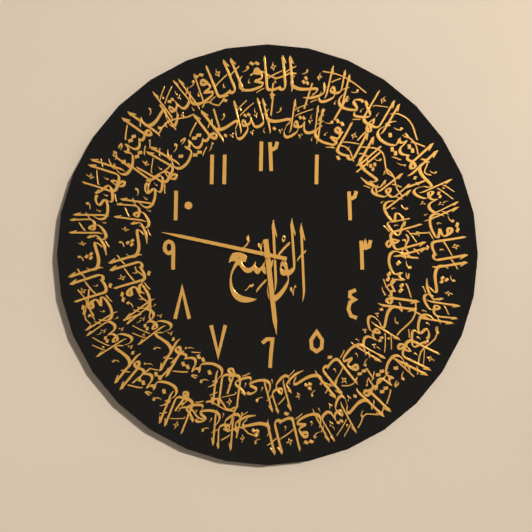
**5:47**
